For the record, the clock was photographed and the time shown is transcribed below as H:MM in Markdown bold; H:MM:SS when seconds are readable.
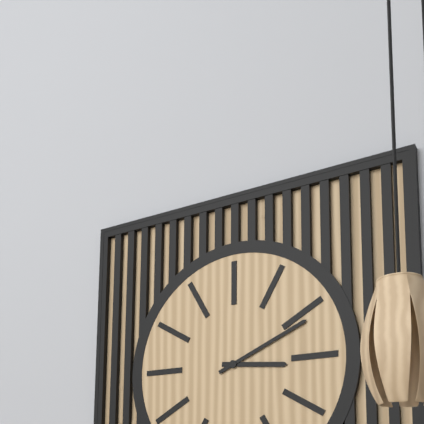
**3:11**
